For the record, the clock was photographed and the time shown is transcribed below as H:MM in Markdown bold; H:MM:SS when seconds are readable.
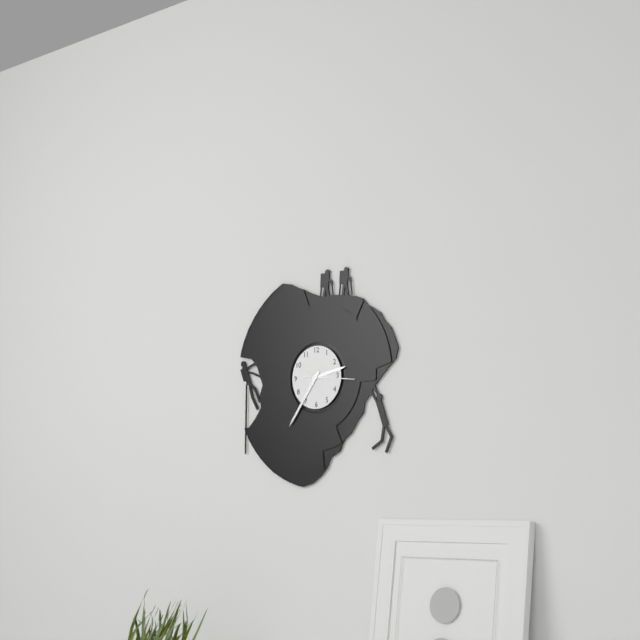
**2:36**
